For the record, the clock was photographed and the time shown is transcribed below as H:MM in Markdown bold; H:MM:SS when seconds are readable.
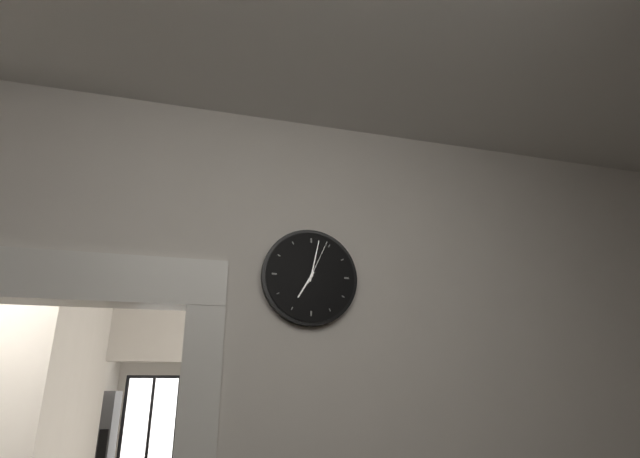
**7:02**
